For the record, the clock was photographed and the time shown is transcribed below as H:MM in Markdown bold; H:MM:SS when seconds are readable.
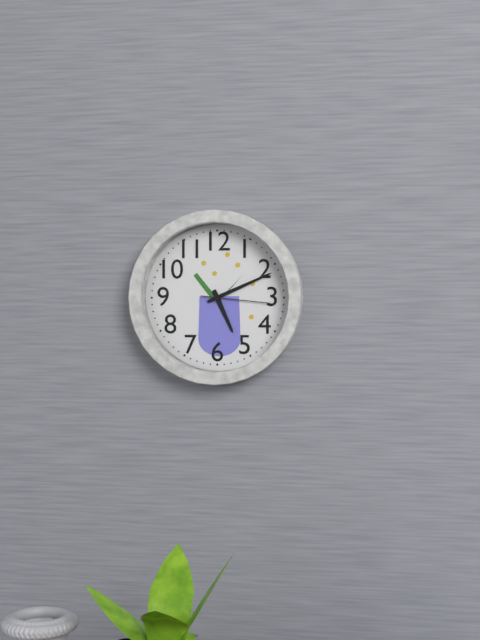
**5:11:16**
